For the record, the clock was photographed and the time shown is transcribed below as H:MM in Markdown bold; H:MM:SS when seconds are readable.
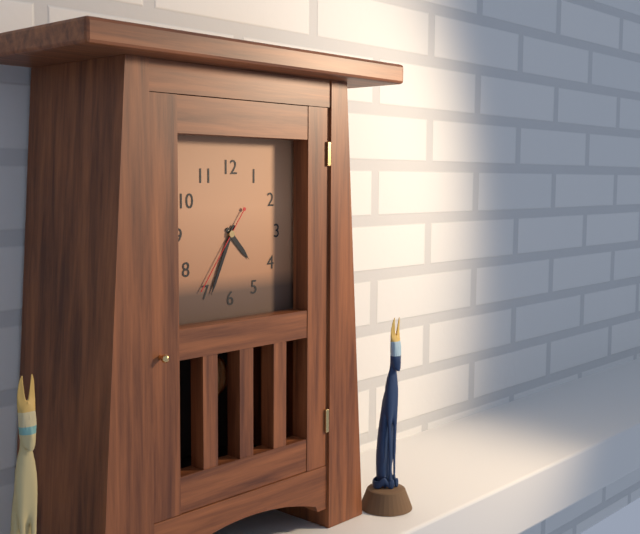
**4:34:36**
